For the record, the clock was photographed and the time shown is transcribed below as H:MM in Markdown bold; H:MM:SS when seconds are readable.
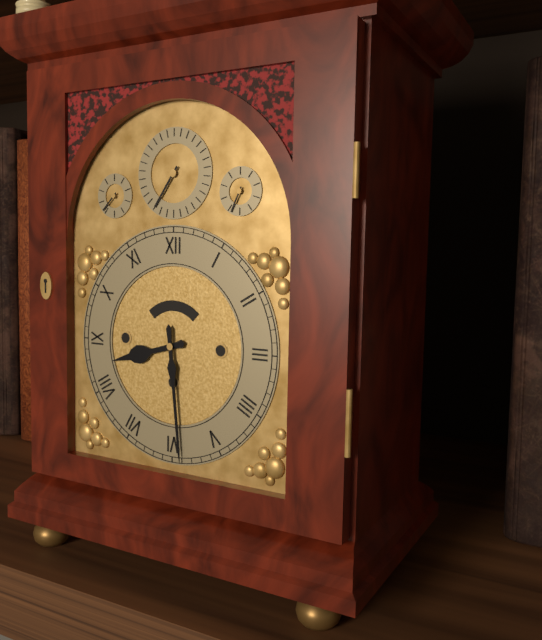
**8:29**
